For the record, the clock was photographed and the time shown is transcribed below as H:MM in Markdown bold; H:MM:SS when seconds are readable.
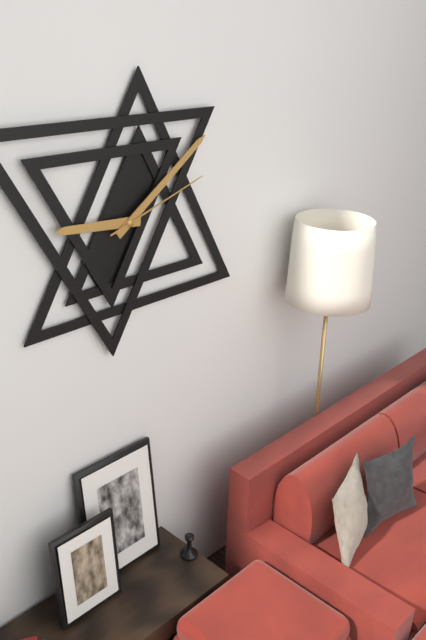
**9:09:12**
